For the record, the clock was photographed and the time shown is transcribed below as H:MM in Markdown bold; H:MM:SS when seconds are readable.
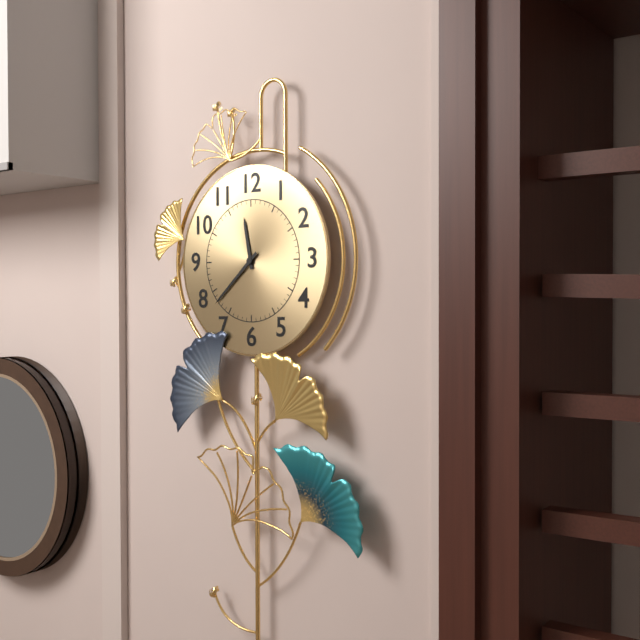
**11:38**
